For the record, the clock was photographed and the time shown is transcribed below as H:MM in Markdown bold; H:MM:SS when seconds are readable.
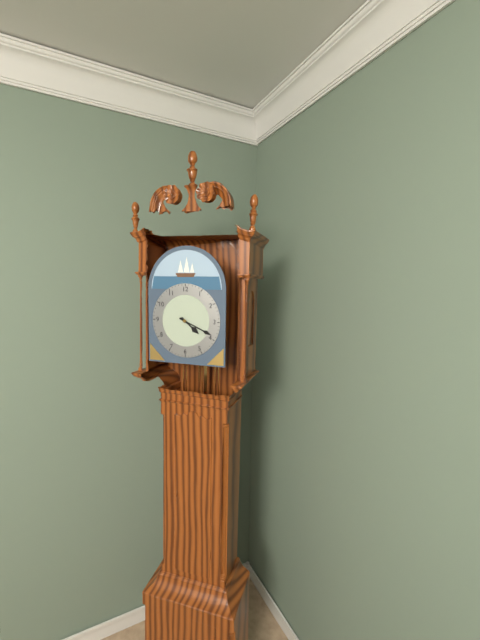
**4:19**
